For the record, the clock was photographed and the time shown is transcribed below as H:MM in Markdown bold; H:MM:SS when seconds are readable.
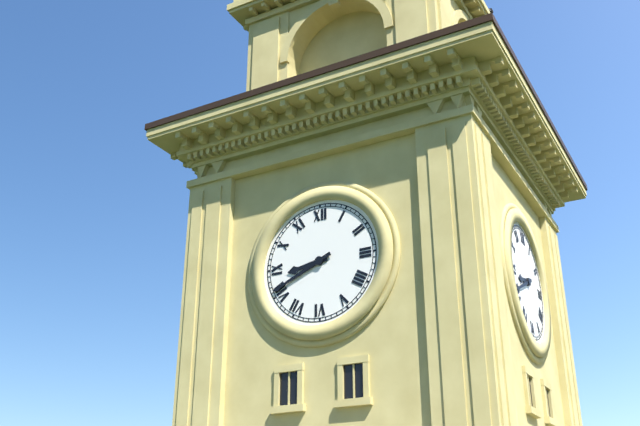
**8:41**
